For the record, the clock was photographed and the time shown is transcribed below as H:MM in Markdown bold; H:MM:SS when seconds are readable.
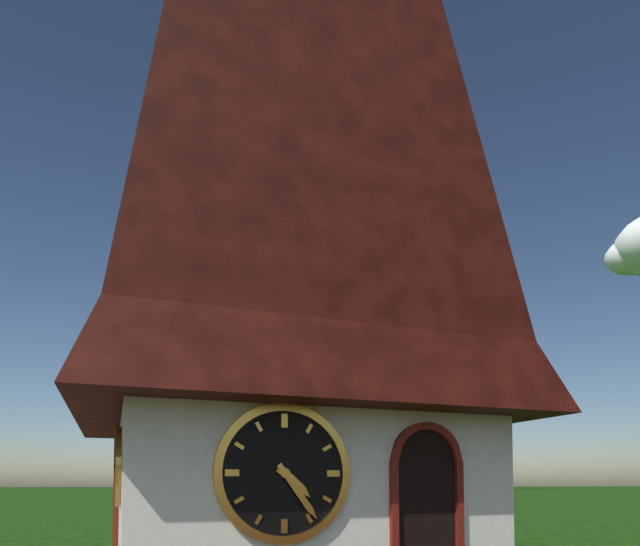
**4:24**
